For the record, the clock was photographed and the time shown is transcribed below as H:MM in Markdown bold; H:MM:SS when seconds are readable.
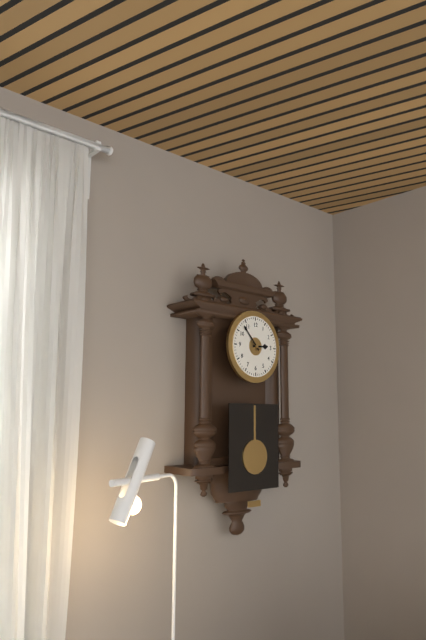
**2:53**
